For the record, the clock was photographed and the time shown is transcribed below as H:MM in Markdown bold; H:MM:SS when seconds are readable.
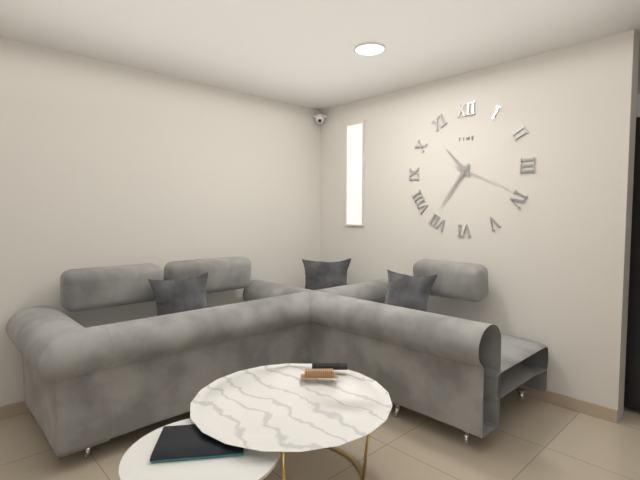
**10:36:19**
